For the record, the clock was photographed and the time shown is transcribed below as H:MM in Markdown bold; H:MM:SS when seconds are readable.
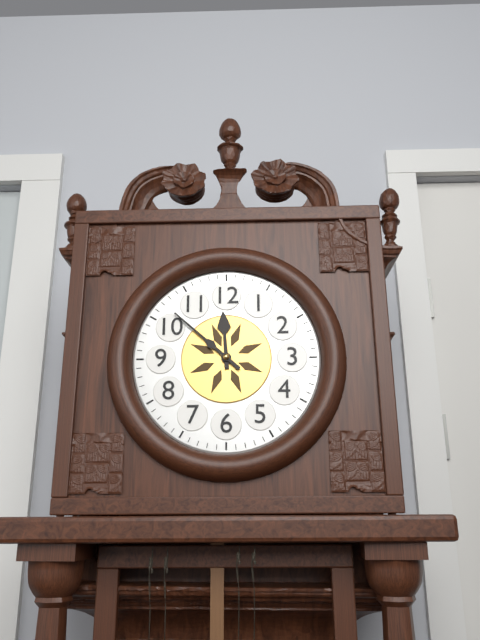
**11:52**
